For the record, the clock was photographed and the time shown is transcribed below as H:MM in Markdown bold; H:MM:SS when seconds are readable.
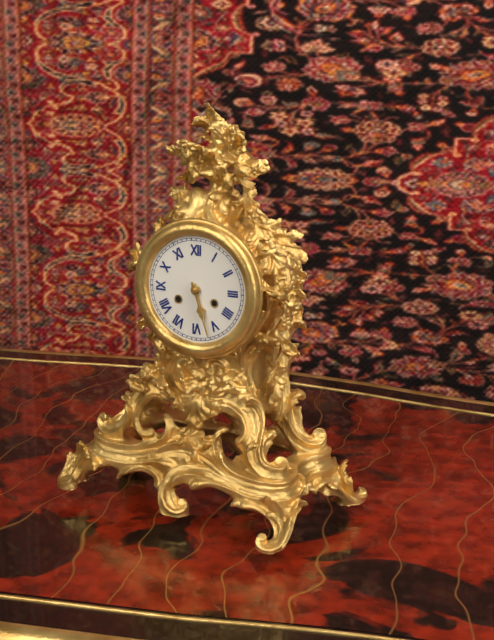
**5:27**
